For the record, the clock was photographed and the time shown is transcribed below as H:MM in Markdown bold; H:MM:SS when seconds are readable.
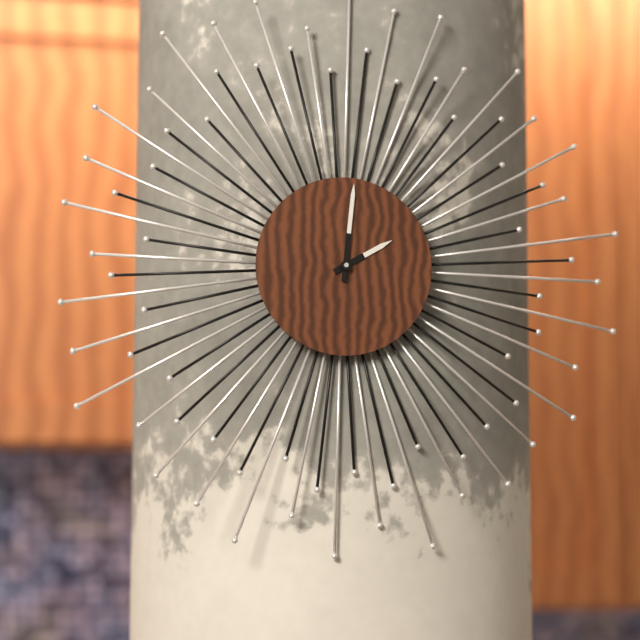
**2:01**
